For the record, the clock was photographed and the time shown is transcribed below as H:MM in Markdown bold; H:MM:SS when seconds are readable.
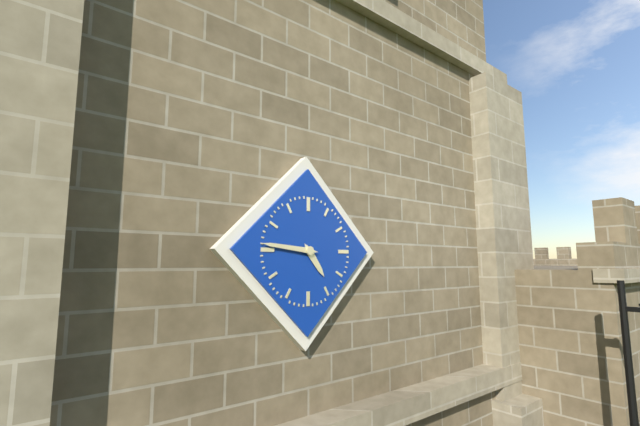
**4:46**
